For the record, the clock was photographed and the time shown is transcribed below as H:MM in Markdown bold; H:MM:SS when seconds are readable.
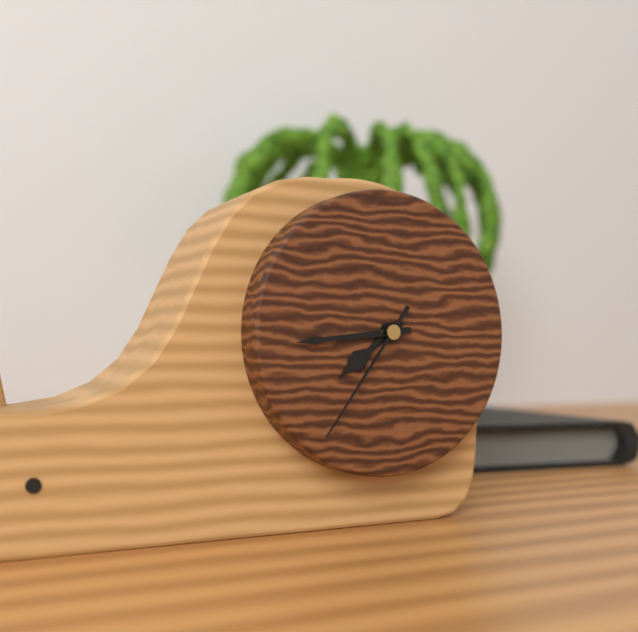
**7:44:36**
